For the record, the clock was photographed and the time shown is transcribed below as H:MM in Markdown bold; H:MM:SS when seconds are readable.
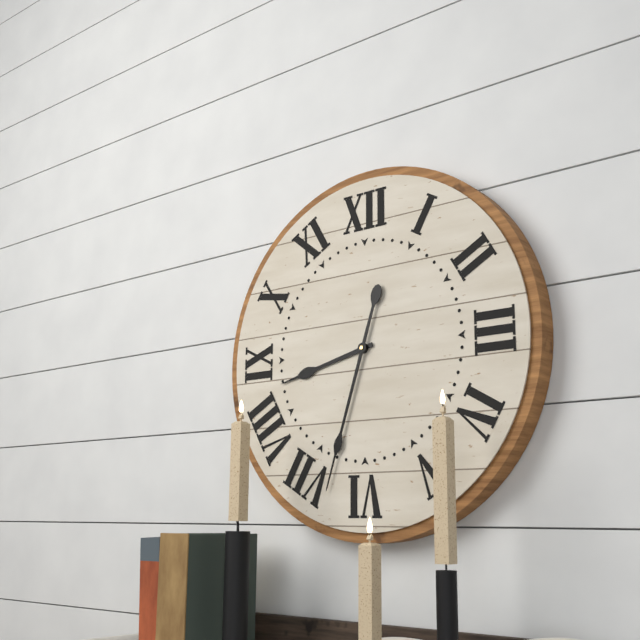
**8:33**
